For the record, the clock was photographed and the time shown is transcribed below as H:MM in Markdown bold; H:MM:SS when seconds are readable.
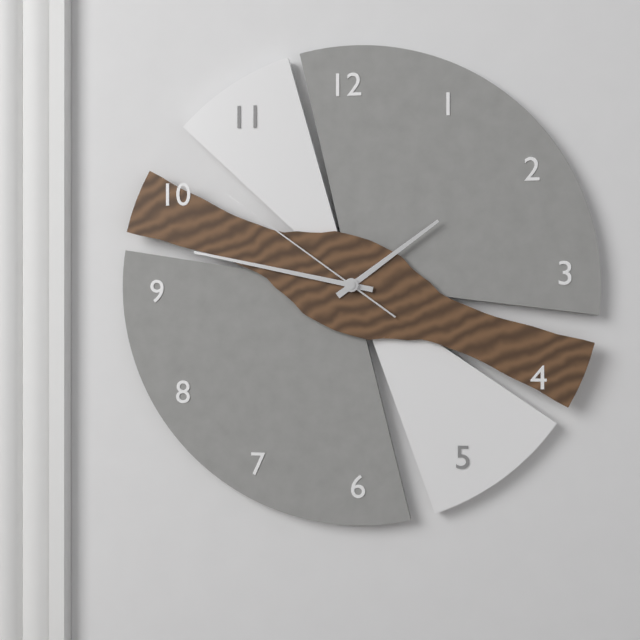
**1:47:51**
